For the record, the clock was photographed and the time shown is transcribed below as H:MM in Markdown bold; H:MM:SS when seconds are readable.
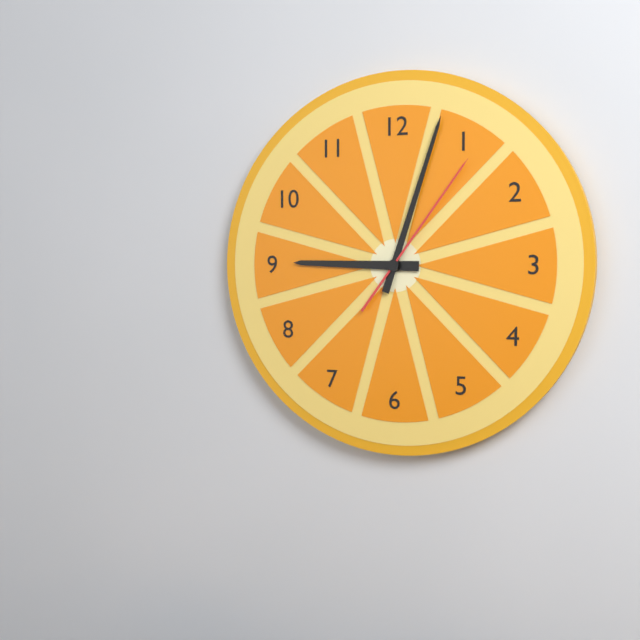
**9:03:06**
